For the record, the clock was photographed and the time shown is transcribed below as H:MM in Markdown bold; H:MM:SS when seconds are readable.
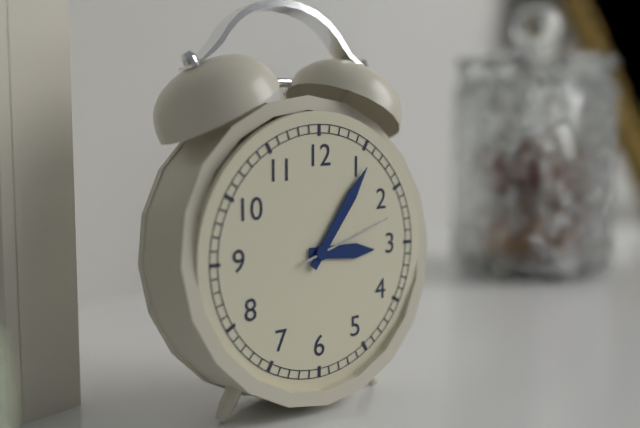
**3:06:12**
